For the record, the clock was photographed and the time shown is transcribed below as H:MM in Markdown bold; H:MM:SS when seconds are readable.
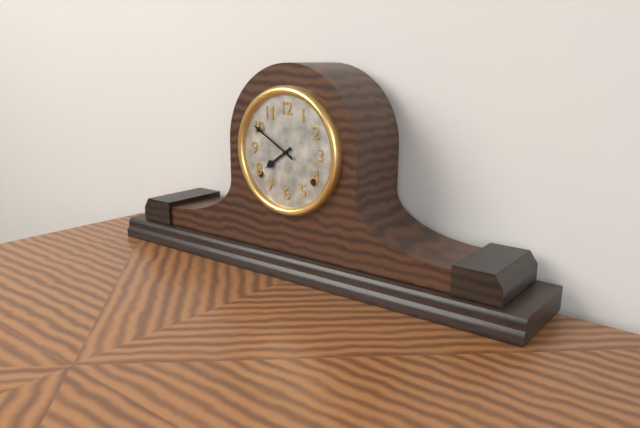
**7:50**
